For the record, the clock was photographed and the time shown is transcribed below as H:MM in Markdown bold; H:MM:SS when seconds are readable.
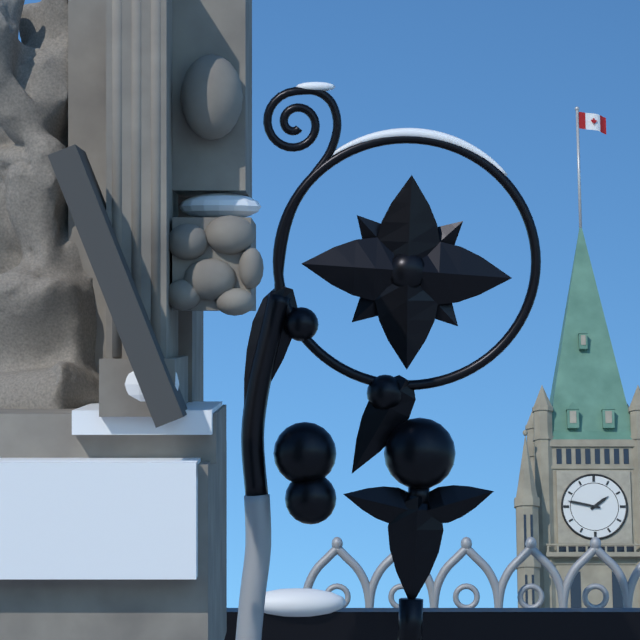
**1:47**
